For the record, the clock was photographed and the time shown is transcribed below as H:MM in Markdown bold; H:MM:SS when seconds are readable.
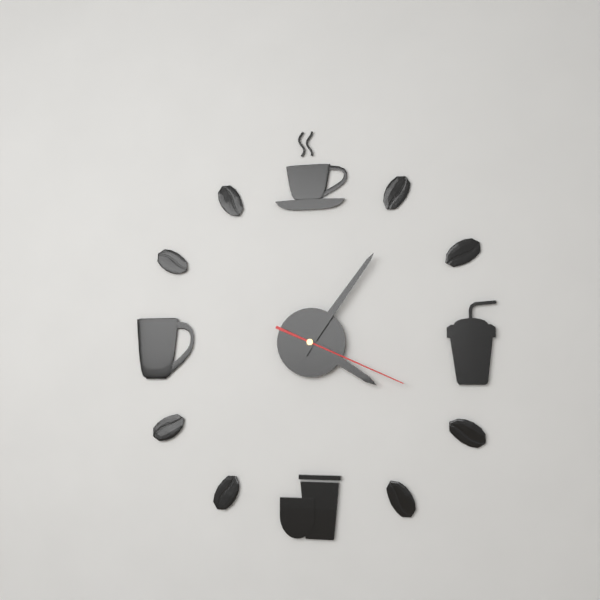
**4:06:19**
